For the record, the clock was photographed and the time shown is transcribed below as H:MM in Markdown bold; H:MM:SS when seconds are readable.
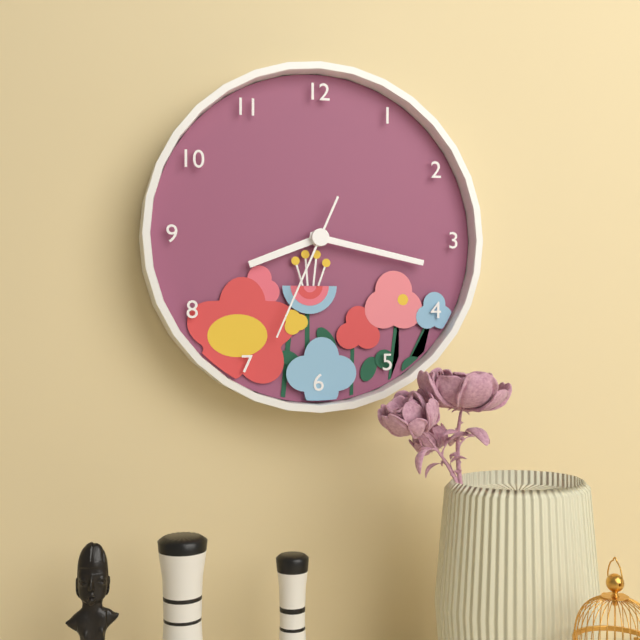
**8:17:34**
